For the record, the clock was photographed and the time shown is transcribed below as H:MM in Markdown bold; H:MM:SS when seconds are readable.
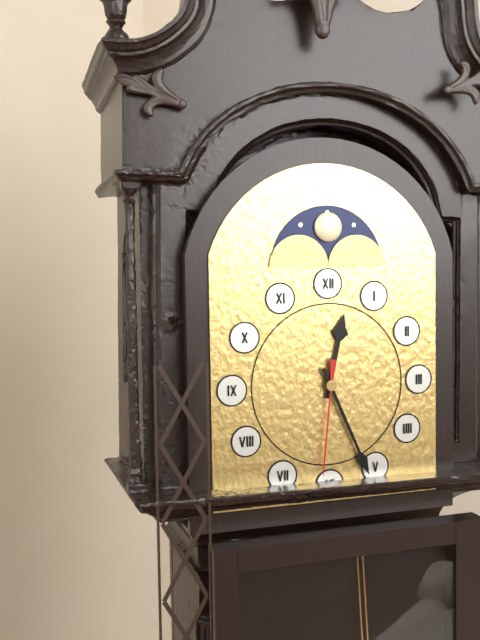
**12:26:31**
